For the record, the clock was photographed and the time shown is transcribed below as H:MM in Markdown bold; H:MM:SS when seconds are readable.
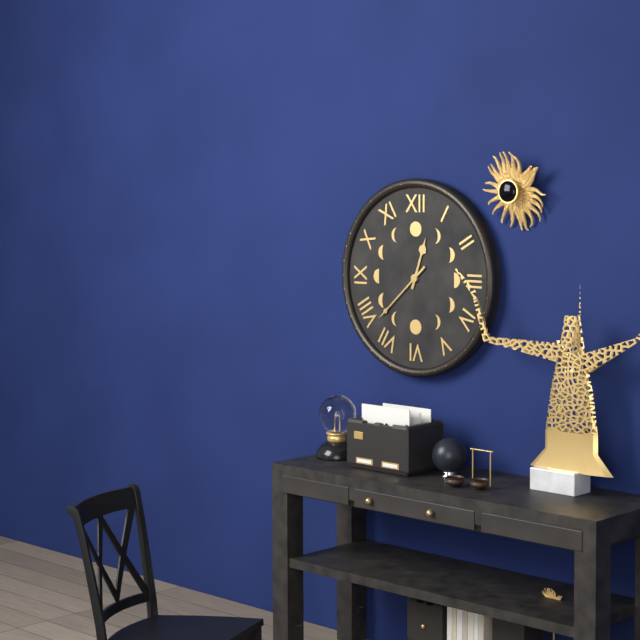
**12:38**
